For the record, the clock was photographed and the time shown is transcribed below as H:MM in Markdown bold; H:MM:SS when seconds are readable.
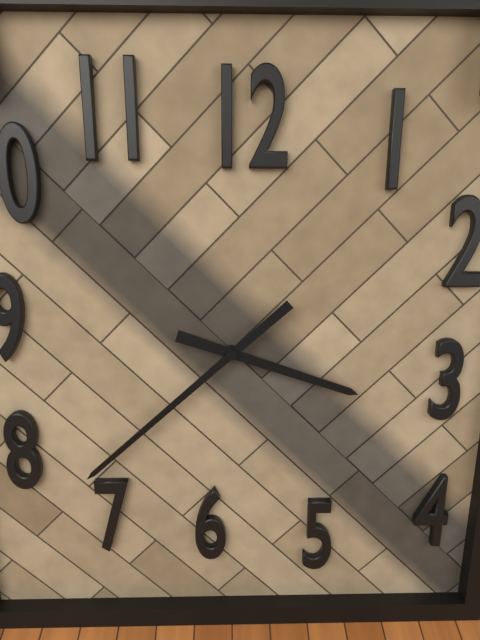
**3:38**
